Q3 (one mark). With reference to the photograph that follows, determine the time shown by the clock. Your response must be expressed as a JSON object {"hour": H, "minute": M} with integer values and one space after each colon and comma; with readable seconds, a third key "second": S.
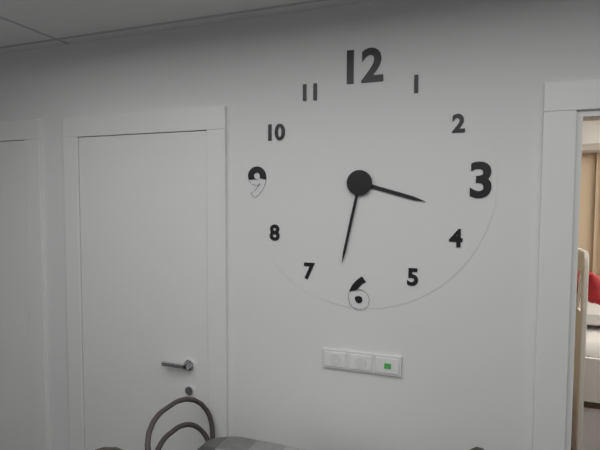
{"hour": 3, "minute": 32}
